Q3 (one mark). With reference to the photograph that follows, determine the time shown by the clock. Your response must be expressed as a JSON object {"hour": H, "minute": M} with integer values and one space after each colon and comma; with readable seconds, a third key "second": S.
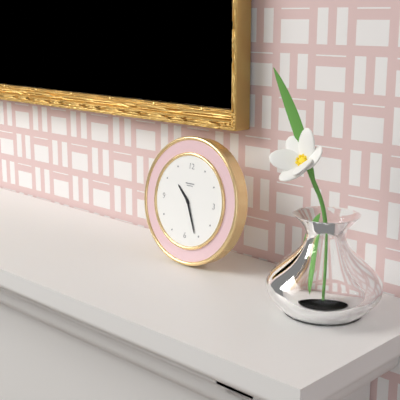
{"hour": 10, "minute": 26}
